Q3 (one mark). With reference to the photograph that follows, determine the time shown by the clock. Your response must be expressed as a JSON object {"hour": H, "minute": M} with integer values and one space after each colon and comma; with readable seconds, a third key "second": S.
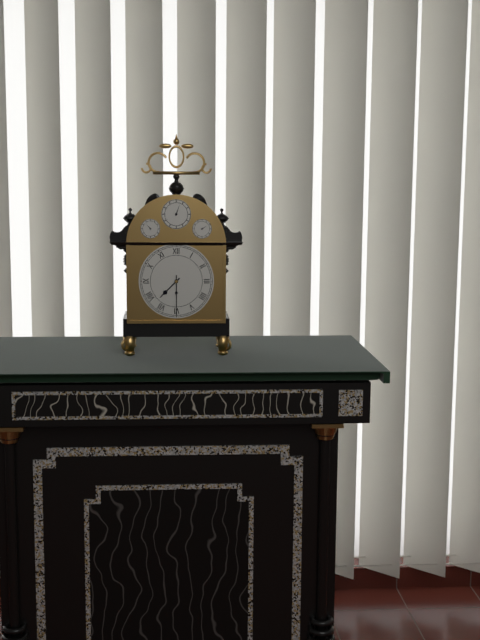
{"hour": 7, "minute": 30}
